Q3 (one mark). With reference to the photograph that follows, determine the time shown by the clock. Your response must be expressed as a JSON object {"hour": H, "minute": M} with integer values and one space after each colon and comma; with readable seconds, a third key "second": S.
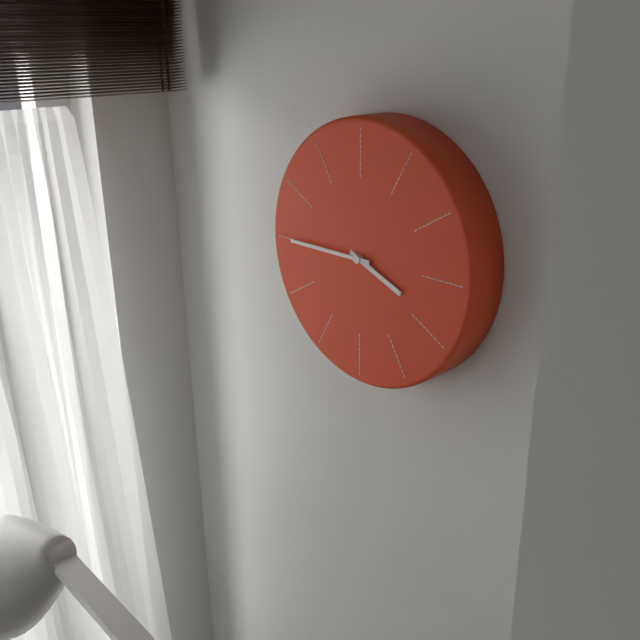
{"hour": 3, "minute": 45}
